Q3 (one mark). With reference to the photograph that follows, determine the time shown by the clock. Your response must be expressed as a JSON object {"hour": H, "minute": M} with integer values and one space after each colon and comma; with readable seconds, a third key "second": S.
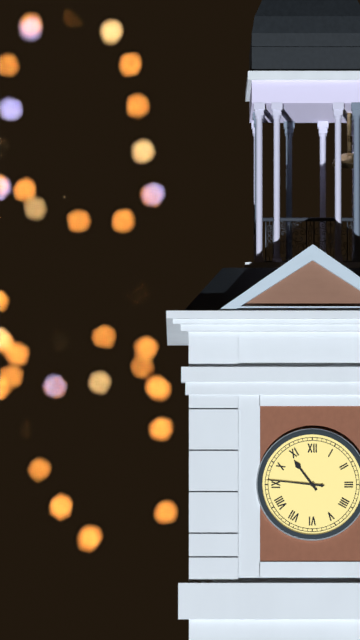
{"hour": 10, "minute": 46}
